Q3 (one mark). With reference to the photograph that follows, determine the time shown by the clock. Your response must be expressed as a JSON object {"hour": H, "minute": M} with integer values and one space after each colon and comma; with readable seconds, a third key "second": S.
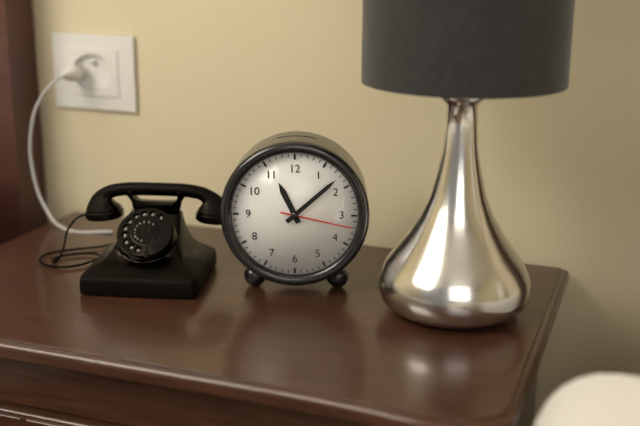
{"hour": 11, "minute": 8, "second": 17}
